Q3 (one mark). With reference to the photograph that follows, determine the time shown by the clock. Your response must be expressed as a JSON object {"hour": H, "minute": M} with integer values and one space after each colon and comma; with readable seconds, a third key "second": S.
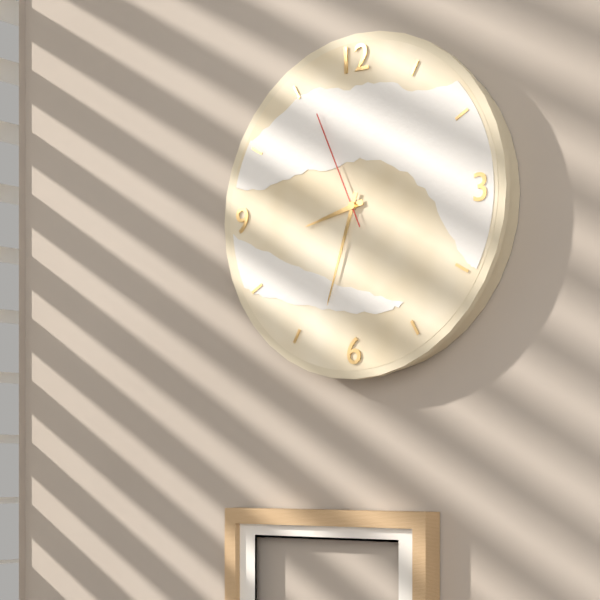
{"hour": 8, "minute": 33, "second": 56}
